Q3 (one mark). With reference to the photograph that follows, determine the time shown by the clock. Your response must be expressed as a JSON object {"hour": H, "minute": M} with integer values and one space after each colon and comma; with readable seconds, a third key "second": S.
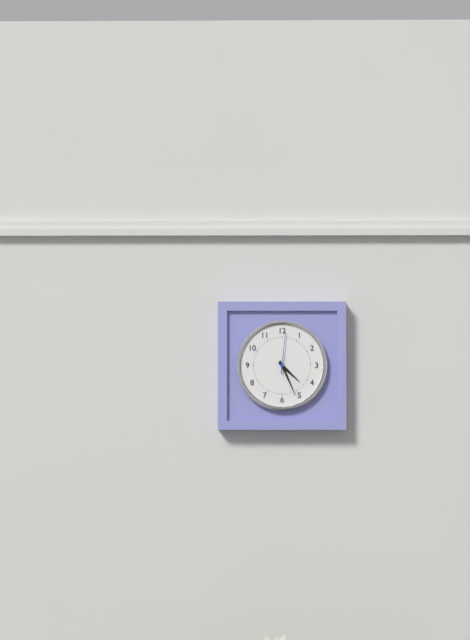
{"hour": 4, "minute": 26}
